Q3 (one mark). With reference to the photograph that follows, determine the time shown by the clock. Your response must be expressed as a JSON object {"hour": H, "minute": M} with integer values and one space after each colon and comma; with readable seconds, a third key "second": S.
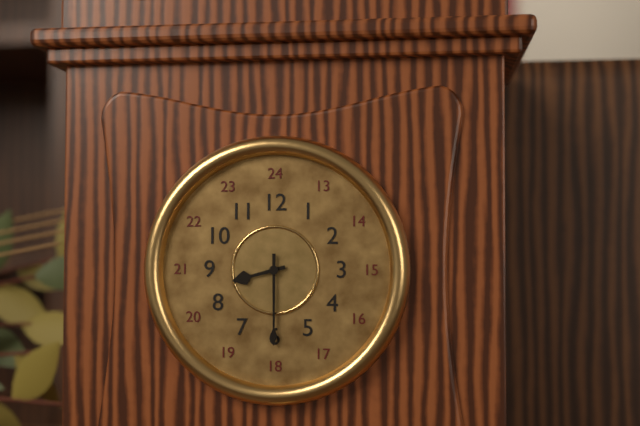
{"hour": 8, "minute": 30}
